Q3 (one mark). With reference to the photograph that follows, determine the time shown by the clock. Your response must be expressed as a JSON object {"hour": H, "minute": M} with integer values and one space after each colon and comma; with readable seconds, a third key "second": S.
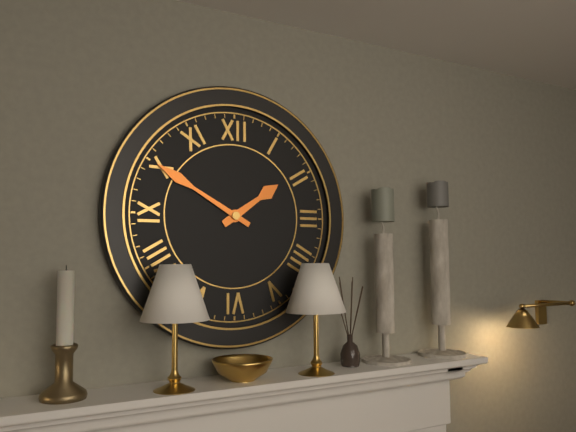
{"hour": 1, "minute": 50}
